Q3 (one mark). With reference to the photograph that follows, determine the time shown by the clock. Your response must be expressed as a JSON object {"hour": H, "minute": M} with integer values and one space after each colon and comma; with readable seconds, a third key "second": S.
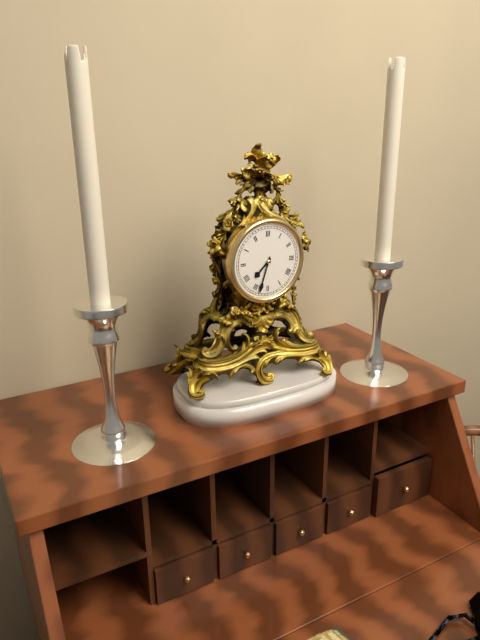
{"hour": 7, "minute": 33}
